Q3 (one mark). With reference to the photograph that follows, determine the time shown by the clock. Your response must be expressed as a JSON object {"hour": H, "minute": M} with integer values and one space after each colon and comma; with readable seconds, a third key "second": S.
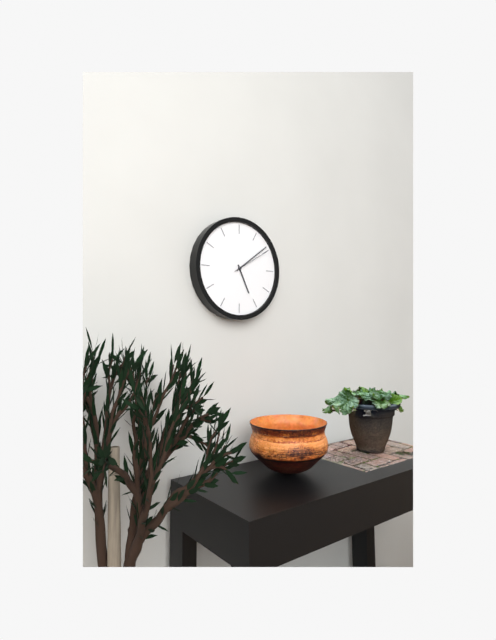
{"hour": 5, "minute": 9}
